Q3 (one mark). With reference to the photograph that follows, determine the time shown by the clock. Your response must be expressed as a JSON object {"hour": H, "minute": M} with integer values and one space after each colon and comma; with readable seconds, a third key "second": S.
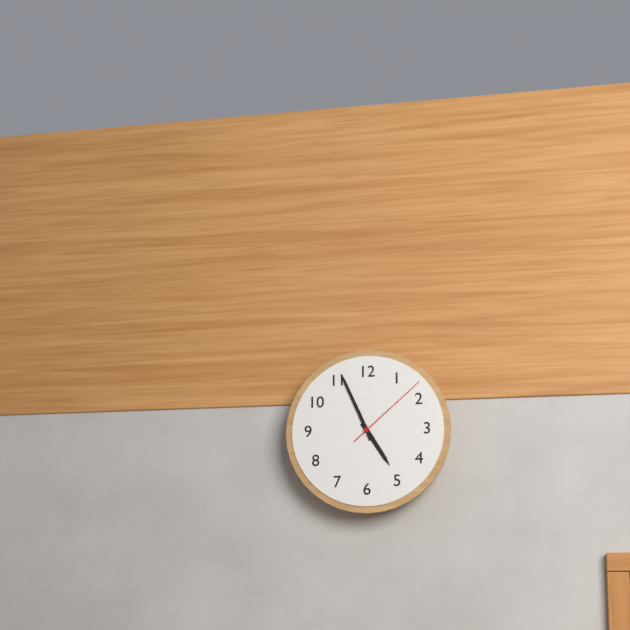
{"hour": 4, "minute": 56, "second": 8}
